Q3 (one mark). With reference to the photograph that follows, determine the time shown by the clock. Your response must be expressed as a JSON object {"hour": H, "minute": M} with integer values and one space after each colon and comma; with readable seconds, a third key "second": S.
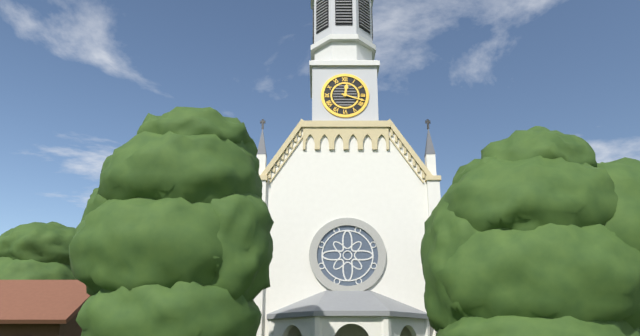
{"hour": 12, "minute": 18}
